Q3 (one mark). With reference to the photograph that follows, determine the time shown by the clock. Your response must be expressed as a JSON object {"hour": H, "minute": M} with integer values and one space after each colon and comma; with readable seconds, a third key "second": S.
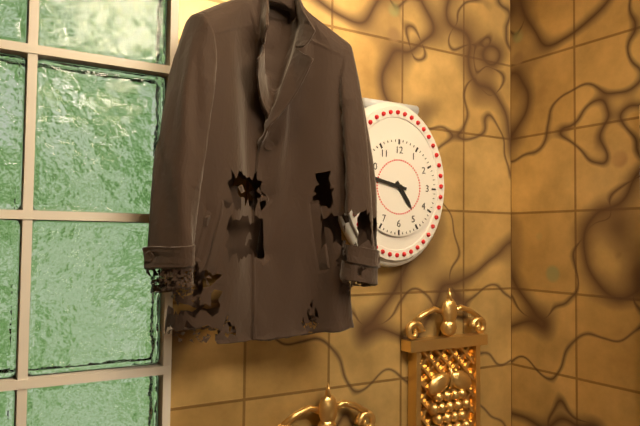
{"hour": 4, "minute": 47}
